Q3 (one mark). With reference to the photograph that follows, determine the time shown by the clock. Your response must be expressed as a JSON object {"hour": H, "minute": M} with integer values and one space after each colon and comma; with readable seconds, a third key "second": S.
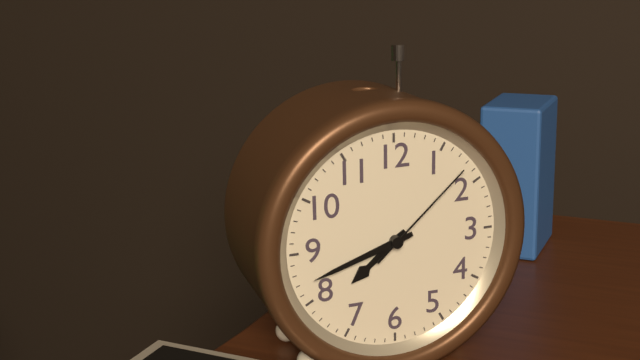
{"hour": 7, "minute": 42, "second": 8}
